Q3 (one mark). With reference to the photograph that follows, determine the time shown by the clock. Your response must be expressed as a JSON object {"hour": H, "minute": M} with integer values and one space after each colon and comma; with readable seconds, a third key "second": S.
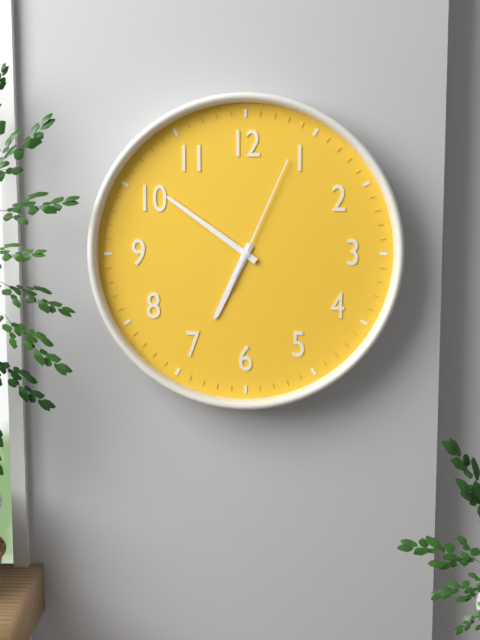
{"hour": 6, "minute": 51, "second": 4}
